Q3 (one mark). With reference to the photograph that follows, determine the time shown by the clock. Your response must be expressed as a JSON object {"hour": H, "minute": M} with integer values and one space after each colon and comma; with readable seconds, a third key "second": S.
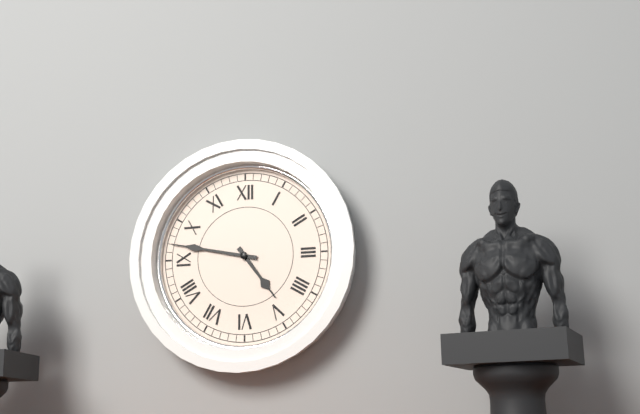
{"hour": 4, "minute": 47}
